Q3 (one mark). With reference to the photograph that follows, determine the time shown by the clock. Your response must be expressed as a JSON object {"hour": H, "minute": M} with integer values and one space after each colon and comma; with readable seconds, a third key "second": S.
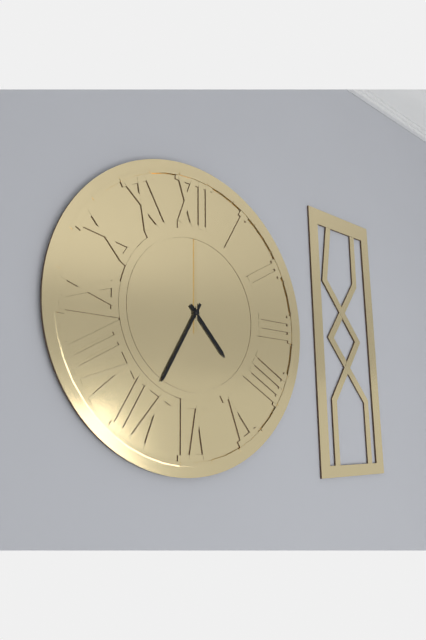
{"hour": 4, "minute": 35, "second": 0}
